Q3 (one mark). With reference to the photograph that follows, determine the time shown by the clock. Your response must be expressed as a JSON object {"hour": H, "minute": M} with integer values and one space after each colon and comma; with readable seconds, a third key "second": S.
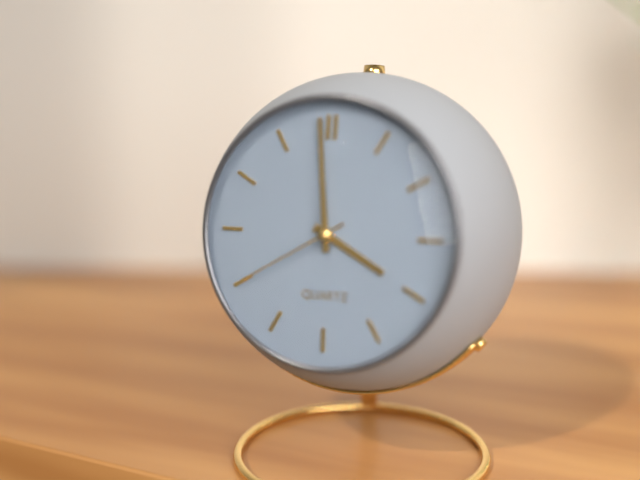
{"hour": 3, "minute": 59, "second": 40}
